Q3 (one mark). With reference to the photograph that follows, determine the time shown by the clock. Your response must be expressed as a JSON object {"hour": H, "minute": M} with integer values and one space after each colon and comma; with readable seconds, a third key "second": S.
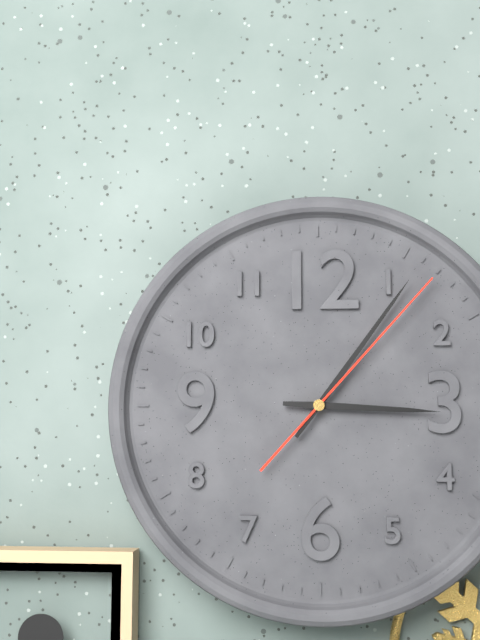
{"hour": 3, "minute": 6, "second": 7}
